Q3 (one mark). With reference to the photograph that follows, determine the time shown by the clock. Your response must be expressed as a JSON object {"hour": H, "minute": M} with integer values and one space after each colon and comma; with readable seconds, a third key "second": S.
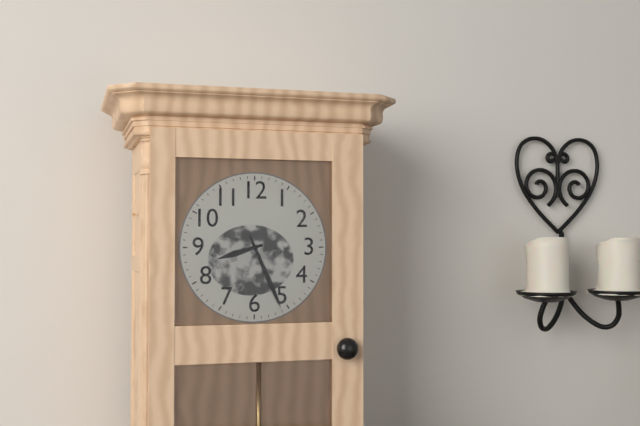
{"hour": 8, "minute": 26}
